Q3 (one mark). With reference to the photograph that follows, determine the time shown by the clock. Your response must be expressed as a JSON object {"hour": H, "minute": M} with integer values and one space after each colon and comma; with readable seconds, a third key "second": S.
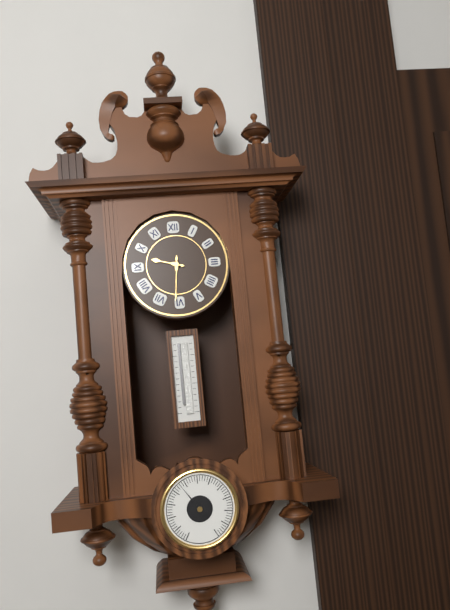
{"hour": 9, "minute": 31}
